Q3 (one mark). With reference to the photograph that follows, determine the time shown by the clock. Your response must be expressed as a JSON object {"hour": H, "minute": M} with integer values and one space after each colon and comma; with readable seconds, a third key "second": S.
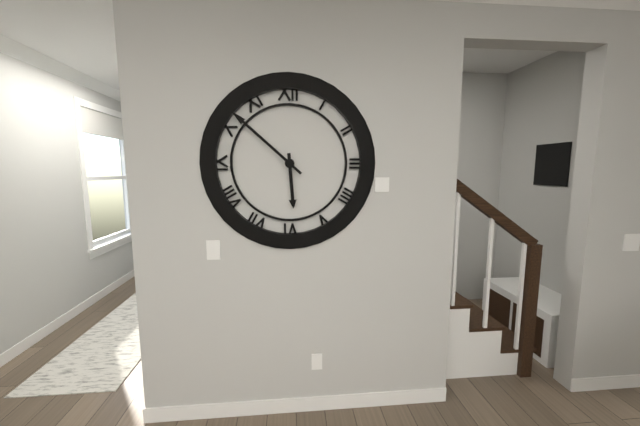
{"hour": 5, "minute": 52}
